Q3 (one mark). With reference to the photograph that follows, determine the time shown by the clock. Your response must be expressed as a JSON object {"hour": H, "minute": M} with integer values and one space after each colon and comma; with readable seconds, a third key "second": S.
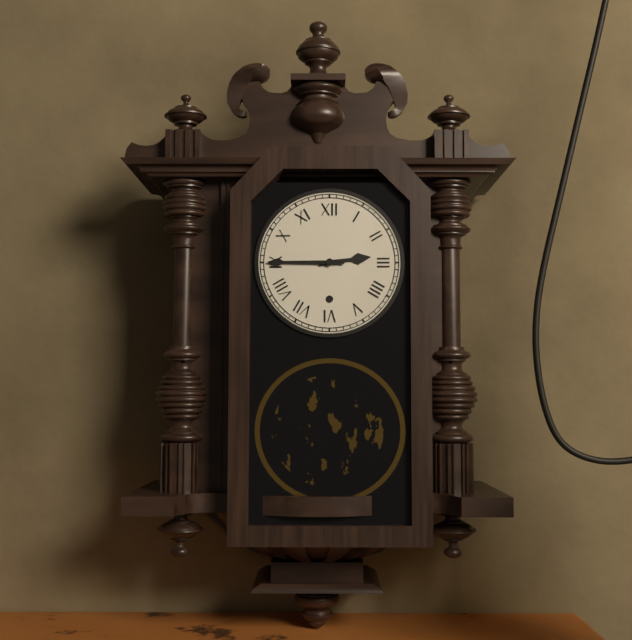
{"hour": 2, "minute": 45}
